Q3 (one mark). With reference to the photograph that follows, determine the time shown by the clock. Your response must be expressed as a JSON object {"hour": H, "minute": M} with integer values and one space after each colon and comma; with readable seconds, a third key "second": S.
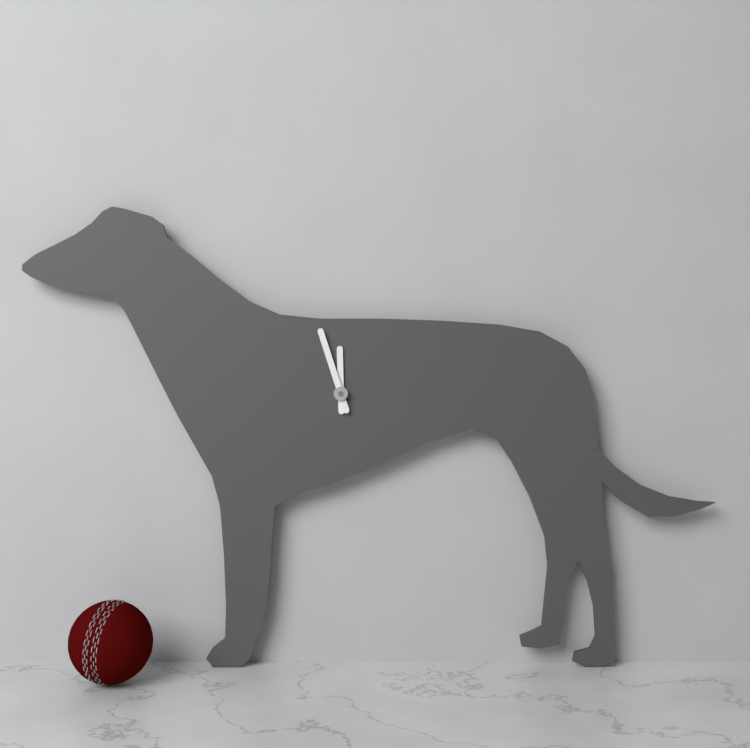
{"hour": 11, "minute": 57}
